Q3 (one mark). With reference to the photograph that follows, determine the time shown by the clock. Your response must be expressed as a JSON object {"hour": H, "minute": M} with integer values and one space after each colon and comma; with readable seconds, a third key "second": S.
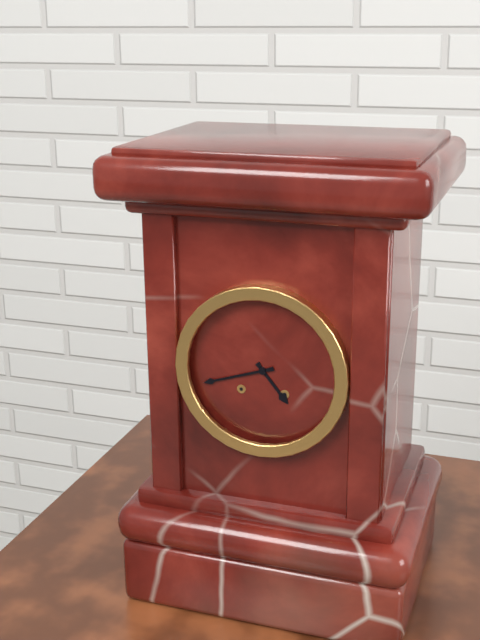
{"hour": 4, "minute": 42}
